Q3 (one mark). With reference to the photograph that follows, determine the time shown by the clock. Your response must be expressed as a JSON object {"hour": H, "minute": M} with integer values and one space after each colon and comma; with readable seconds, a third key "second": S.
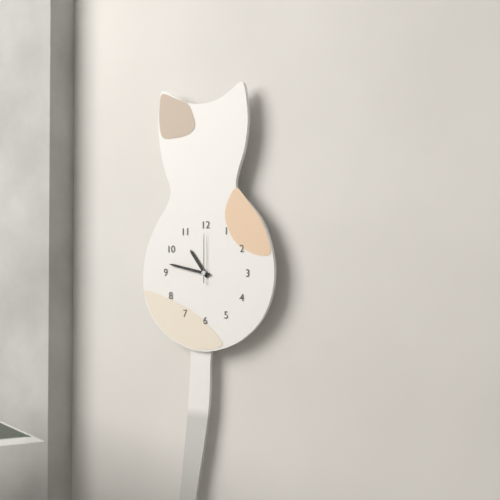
{"hour": 10, "minute": 47, "second": 0}
